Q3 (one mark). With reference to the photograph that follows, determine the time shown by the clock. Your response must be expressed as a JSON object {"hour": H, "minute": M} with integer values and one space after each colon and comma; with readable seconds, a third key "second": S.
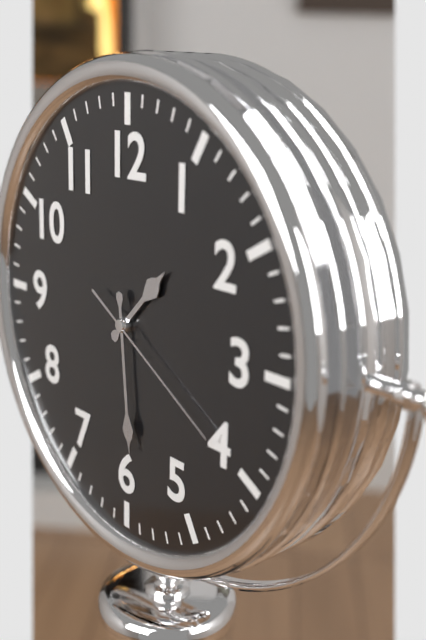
{"hour": 1, "minute": 29, "second": 20}
